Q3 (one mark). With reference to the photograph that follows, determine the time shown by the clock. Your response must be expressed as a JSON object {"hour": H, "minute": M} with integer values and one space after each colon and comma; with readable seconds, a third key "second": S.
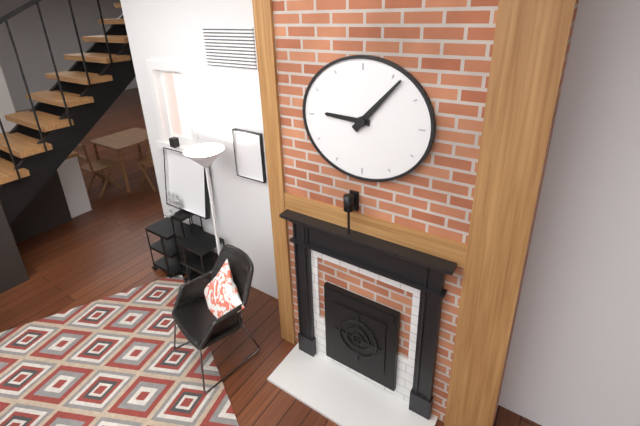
{"hour": 9, "minute": 7}
